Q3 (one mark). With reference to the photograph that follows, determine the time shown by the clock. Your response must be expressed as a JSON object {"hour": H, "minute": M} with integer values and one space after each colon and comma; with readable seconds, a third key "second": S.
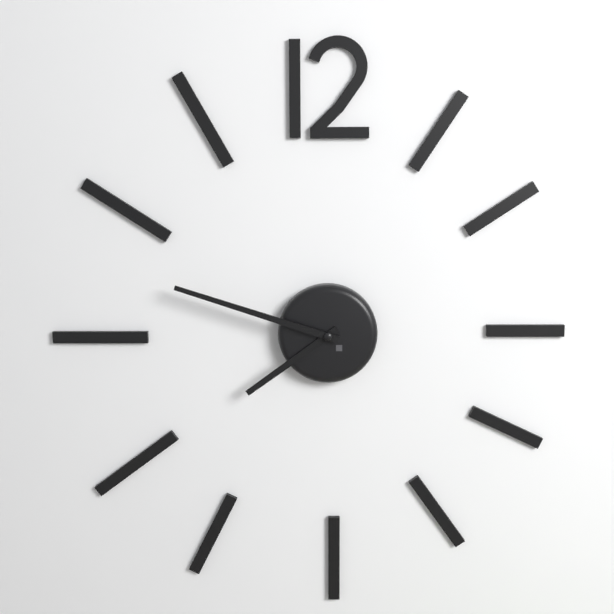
{"hour": 7, "minute": 48}
